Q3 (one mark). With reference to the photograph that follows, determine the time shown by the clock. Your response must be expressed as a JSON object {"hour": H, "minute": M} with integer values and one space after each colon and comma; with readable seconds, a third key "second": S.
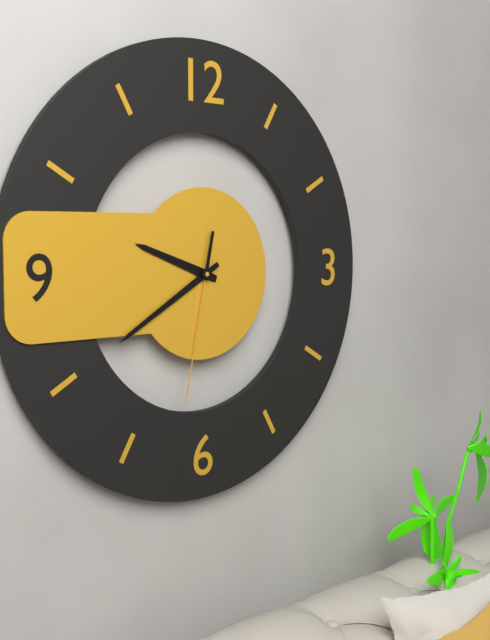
{"hour": 9, "minute": 40, "second": 32}
